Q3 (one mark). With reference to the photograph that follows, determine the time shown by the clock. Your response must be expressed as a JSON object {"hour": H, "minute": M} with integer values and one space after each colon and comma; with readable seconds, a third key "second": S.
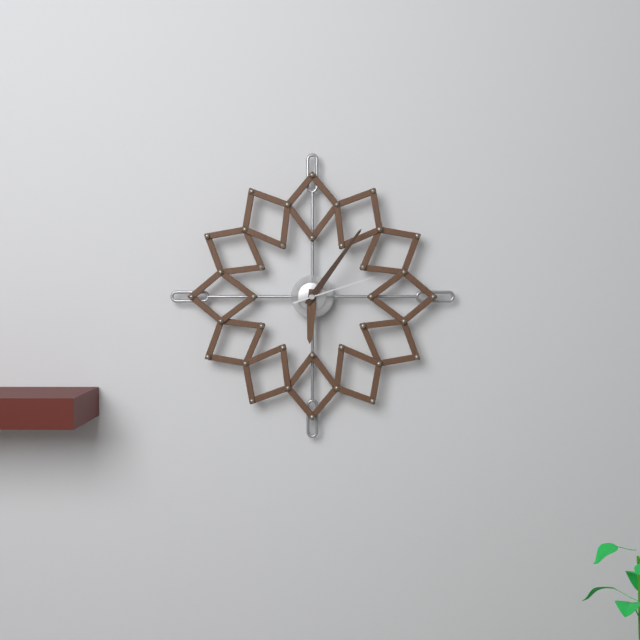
{"hour": 6, "minute": 6, "second": 12}
